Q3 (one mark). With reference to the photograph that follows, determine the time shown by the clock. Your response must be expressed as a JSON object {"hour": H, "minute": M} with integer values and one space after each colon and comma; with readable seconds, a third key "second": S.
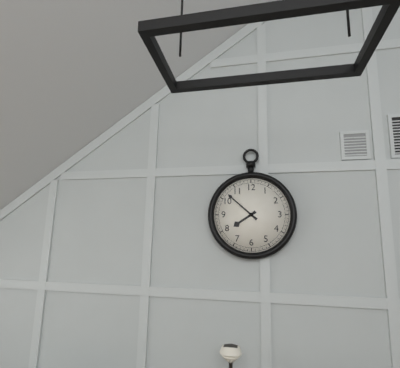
{"hour": 7, "minute": 52}
